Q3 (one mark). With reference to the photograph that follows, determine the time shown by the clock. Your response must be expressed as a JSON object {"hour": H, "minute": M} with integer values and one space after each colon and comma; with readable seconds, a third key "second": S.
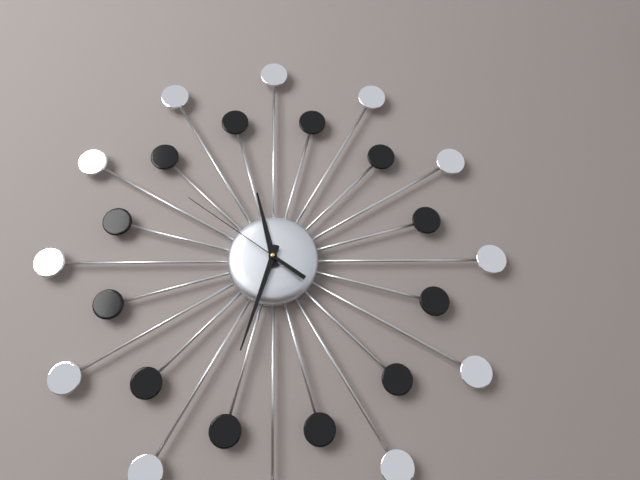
{"hour": 11, "minute": 33, "second": 51}
